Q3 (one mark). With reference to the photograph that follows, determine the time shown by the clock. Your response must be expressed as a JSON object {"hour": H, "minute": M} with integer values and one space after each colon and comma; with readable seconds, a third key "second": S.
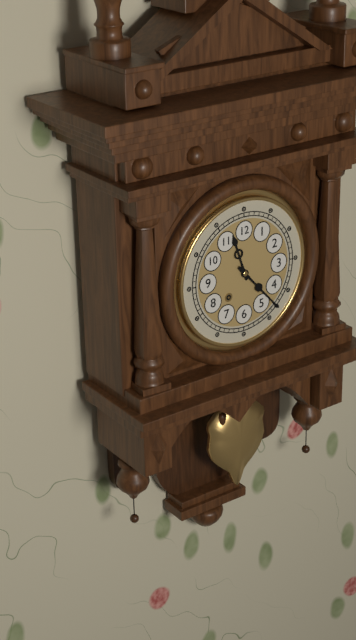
{"hour": 11, "minute": 23}
